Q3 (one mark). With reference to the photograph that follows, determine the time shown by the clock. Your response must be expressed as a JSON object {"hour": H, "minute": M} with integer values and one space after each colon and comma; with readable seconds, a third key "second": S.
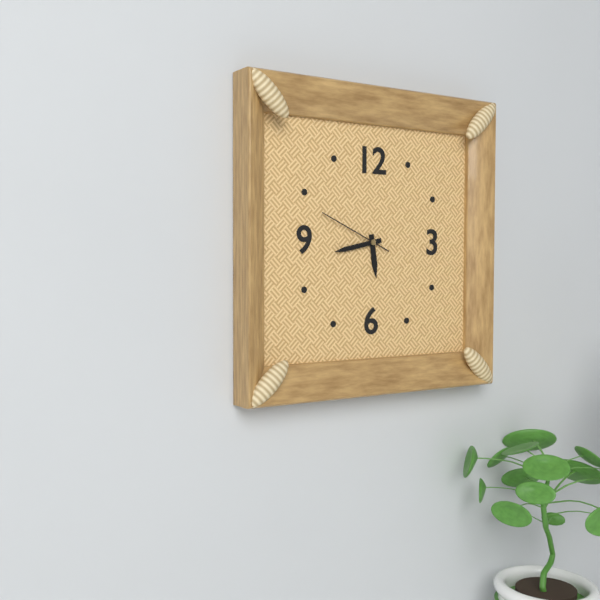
{"hour": 5, "minute": 43, "second": 49}
